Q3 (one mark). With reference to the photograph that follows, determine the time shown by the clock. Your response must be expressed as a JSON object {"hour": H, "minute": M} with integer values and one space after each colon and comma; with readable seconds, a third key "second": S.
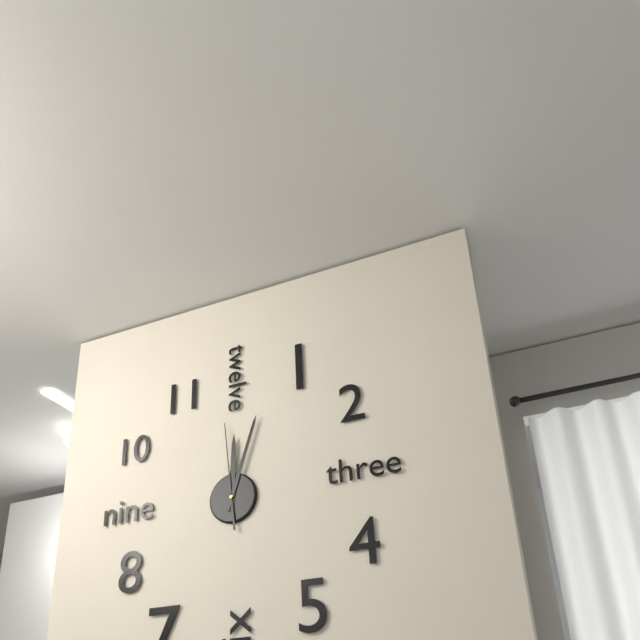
{"hour": 12, "minute": 3, "second": 59}
